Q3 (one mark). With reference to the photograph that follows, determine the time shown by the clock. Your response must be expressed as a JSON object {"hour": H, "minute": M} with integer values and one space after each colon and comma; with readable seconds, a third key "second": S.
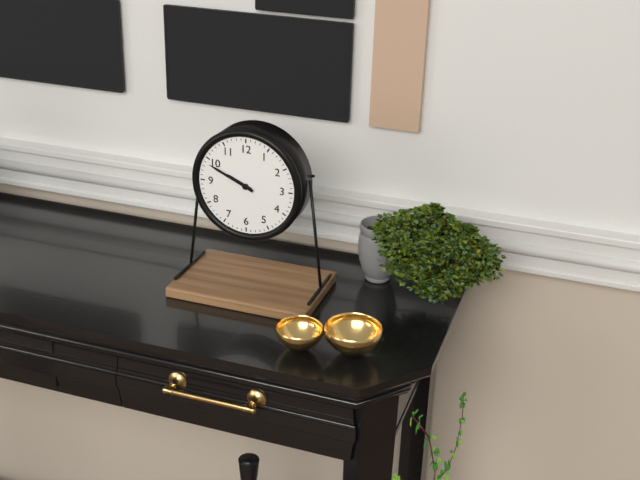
{"hour": 9, "minute": 49}
